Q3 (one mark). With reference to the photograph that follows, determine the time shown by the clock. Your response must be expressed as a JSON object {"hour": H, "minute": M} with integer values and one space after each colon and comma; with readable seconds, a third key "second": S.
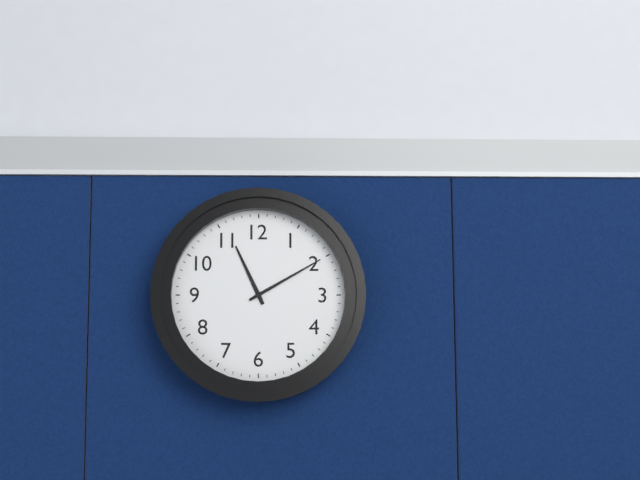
{"hour": 11, "minute": 10}
